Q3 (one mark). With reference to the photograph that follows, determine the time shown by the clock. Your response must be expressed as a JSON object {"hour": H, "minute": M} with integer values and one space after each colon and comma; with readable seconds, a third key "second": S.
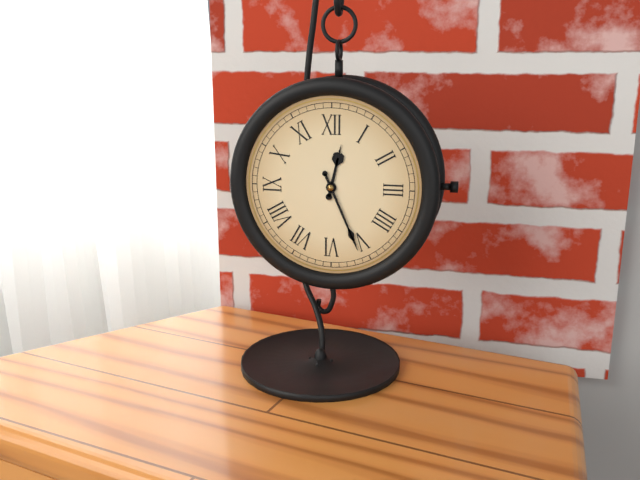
{"hour": 12, "minute": 26}
